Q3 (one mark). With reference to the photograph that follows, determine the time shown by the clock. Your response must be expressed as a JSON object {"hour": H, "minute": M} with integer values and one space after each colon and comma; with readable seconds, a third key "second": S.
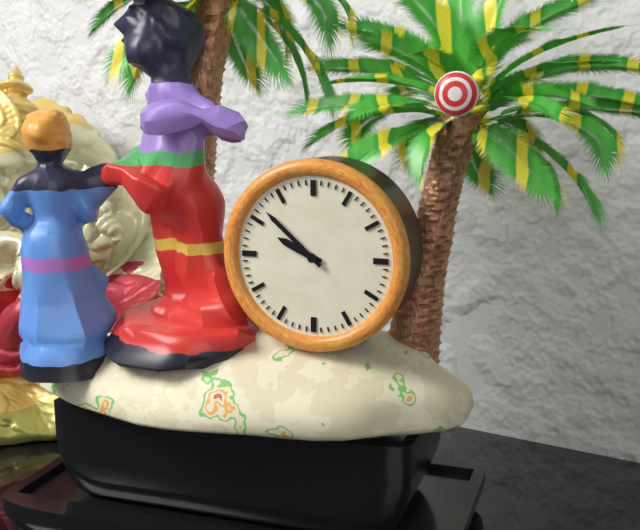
{"hour": 9, "minute": 52}
